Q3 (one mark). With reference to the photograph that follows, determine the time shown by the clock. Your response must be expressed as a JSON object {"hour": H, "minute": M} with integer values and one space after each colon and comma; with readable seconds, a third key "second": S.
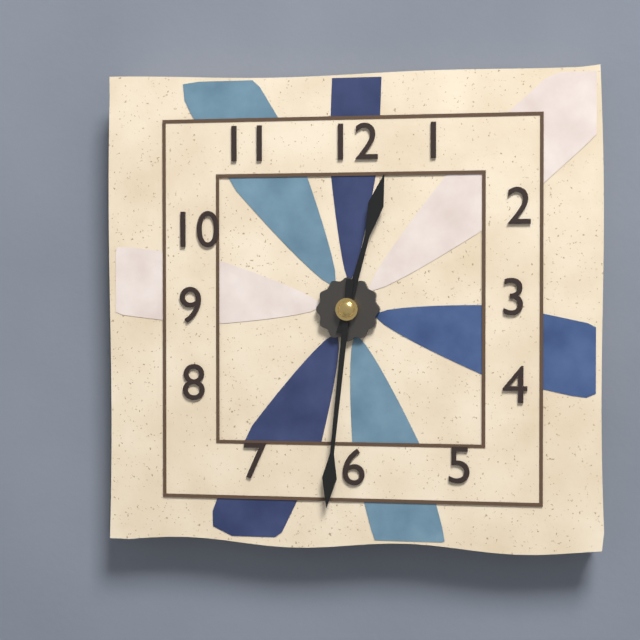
{"hour": 12, "minute": 31}
